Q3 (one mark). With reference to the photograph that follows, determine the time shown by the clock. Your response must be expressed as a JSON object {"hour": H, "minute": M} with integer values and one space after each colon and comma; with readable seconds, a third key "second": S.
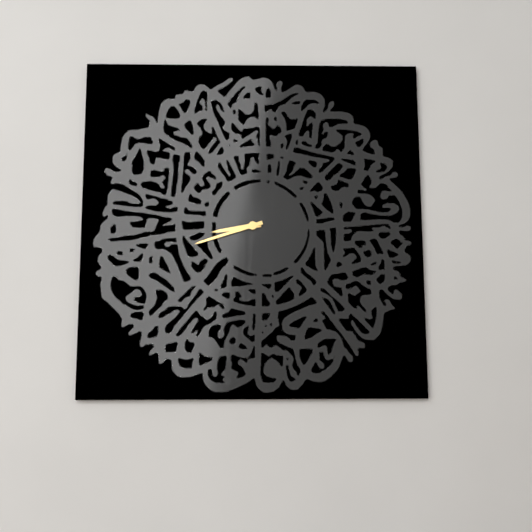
{"hour": 8, "minute": 42}
